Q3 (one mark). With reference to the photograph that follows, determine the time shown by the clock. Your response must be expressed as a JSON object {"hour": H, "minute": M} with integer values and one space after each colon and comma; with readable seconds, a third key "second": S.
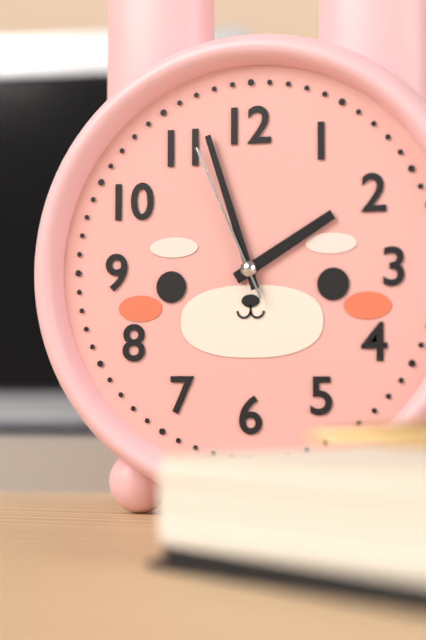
{"hour": 1, "minute": 57, "second": 56}
